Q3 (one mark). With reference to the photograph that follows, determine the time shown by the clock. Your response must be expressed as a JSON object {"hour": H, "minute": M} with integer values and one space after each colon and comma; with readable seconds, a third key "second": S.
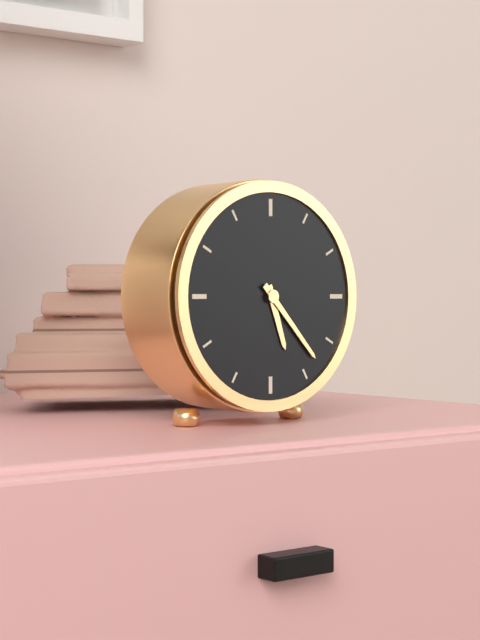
{"hour": 5, "minute": 23}
